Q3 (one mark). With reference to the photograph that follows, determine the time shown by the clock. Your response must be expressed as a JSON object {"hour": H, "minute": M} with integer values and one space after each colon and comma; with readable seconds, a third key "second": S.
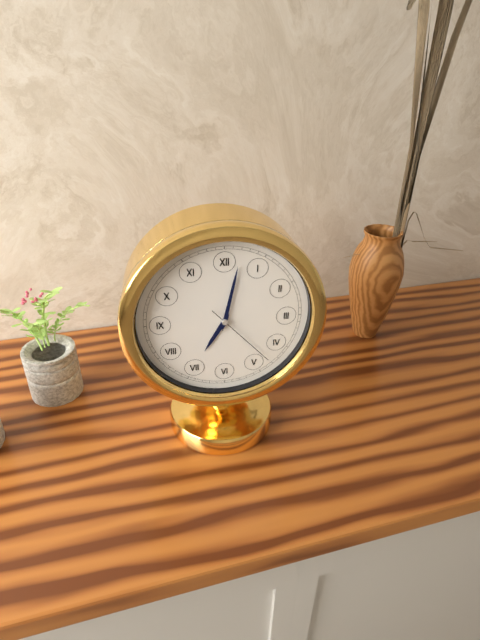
{"hour": 7, "minute": 2, "second": 23}
